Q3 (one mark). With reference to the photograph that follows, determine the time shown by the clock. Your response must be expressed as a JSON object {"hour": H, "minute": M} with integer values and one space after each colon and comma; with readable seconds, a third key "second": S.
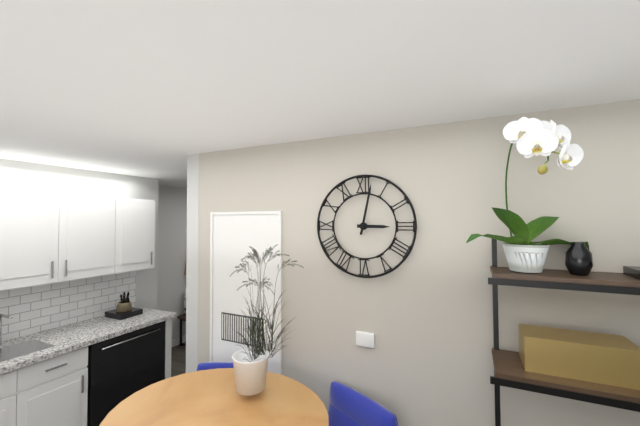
{"hour": 3, "minute": 2}
